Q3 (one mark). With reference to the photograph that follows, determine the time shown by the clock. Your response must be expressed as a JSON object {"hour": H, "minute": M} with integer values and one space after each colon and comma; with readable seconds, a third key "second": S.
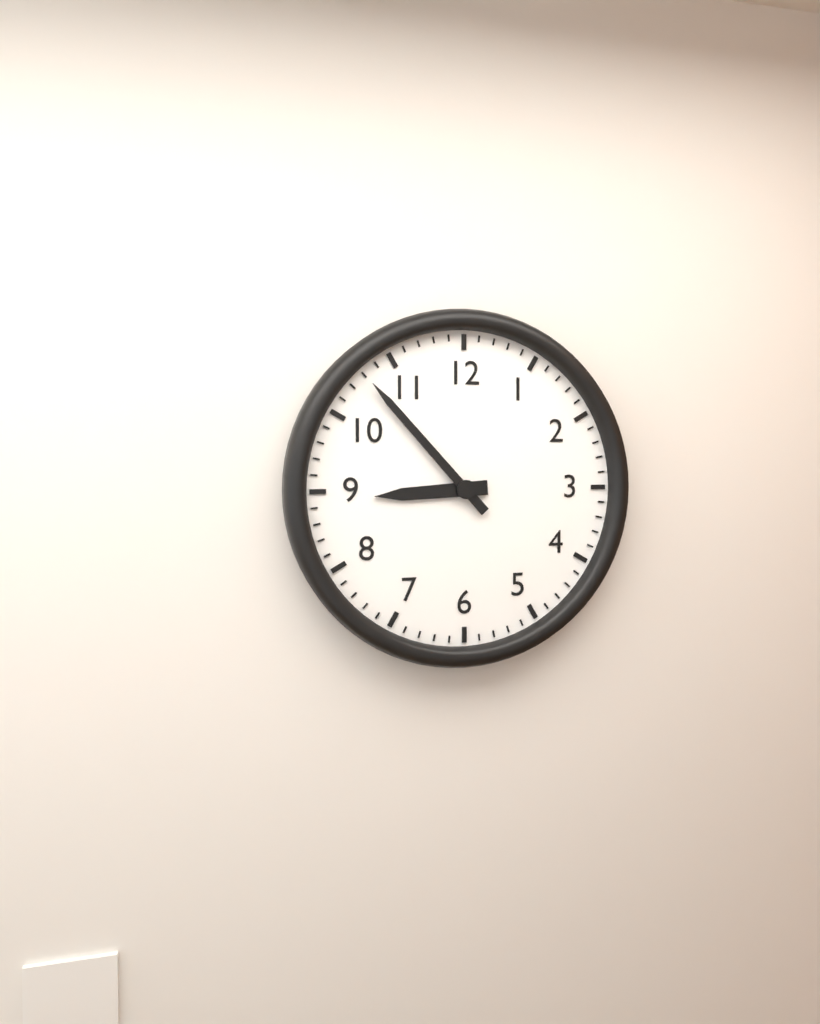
{"hour": 8, "minute": 53}
